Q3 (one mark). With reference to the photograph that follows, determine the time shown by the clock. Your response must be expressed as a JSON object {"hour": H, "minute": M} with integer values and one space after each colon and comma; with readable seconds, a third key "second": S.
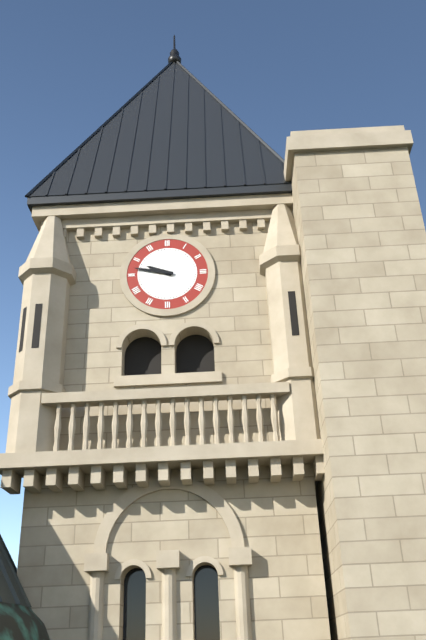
{"hour": 9, "minute": 47}
